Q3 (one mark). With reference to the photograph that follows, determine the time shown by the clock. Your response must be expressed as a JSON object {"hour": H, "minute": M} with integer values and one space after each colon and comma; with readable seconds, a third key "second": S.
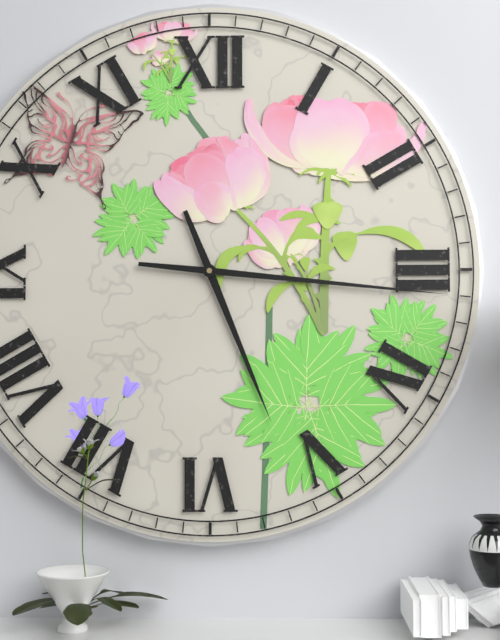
{"hour": 5, "minute": 16}
